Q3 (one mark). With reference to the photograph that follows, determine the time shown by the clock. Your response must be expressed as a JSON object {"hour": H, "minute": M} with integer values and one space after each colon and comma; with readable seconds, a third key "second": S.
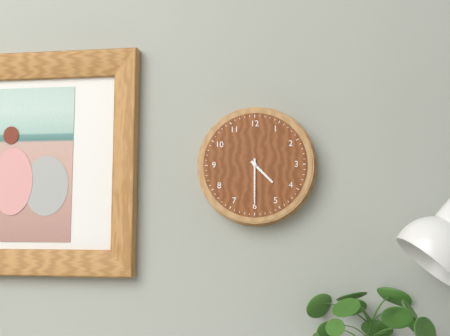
{"hour": 4, "minute": 30}
